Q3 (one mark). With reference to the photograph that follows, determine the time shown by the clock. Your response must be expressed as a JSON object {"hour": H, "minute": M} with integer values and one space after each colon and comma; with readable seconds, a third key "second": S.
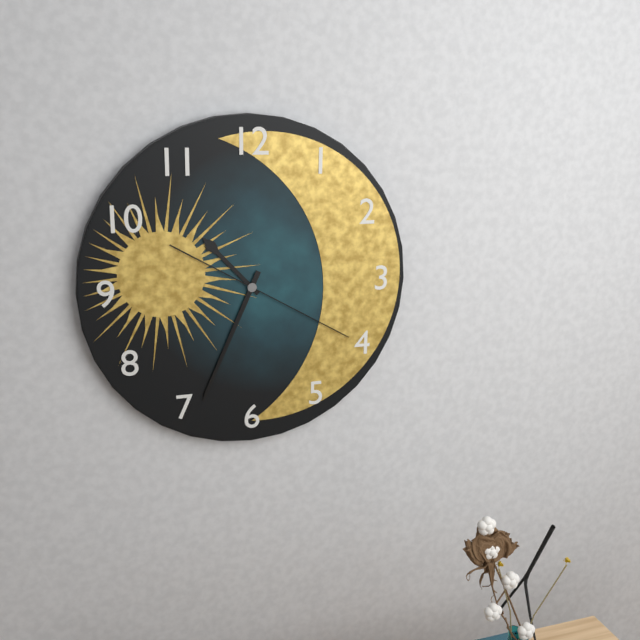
{"hour": 10, "minute": 34, "second": 20}
